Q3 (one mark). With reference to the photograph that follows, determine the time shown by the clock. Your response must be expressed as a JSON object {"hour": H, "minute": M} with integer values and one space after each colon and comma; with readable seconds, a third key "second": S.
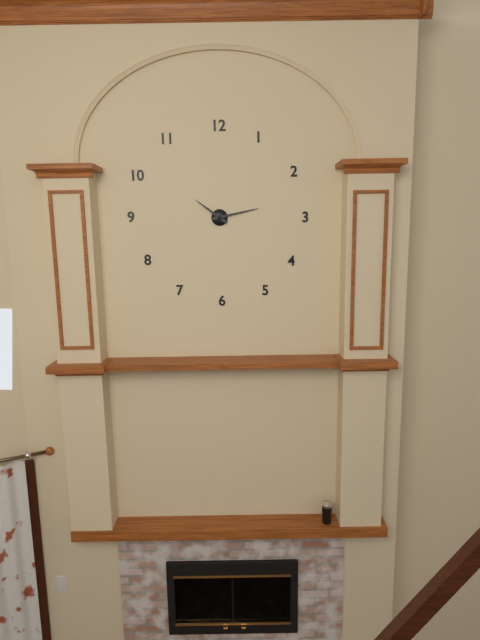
{"hour": 10, "minute": 13}
